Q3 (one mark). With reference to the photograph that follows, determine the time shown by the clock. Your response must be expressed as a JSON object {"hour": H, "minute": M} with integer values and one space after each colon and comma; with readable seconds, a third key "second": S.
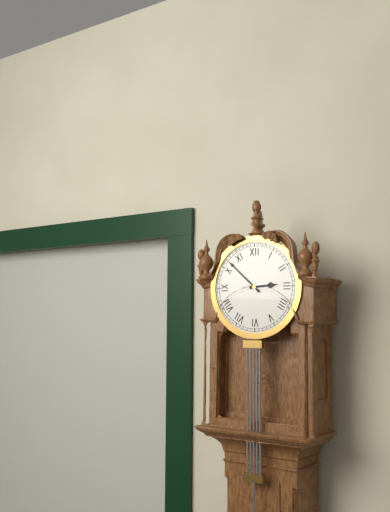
{"hour": 2, "minute": 52}
